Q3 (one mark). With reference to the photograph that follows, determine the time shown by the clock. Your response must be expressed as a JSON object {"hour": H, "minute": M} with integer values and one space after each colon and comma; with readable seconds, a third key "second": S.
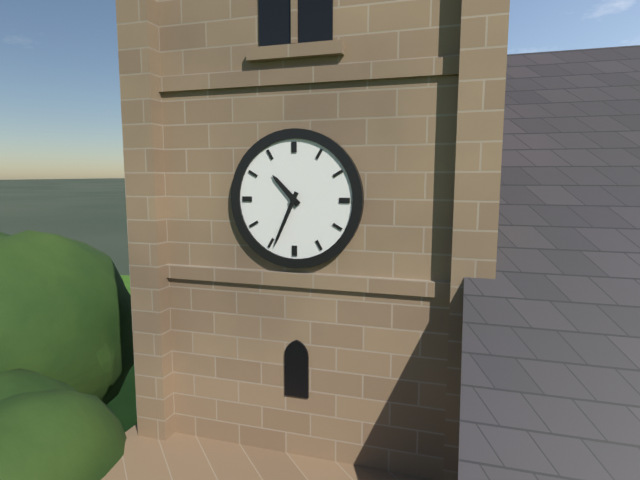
{"hour": 10, "minute": 34}
